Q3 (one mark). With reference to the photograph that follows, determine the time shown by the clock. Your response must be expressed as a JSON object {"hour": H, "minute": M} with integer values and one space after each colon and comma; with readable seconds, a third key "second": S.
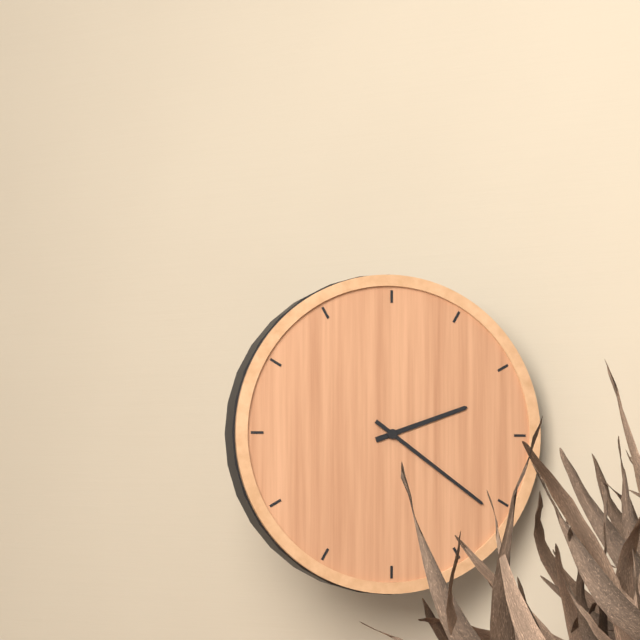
{"hour": 2, "minute": 21}
